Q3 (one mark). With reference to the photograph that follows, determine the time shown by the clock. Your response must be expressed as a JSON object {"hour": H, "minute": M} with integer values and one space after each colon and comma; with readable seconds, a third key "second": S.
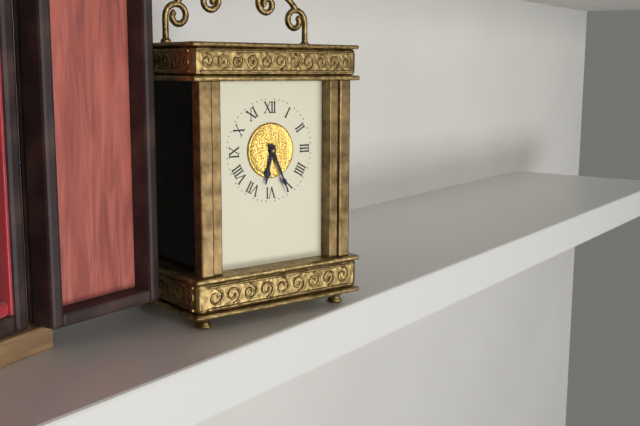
{"hour": 6, "minute": 26}
